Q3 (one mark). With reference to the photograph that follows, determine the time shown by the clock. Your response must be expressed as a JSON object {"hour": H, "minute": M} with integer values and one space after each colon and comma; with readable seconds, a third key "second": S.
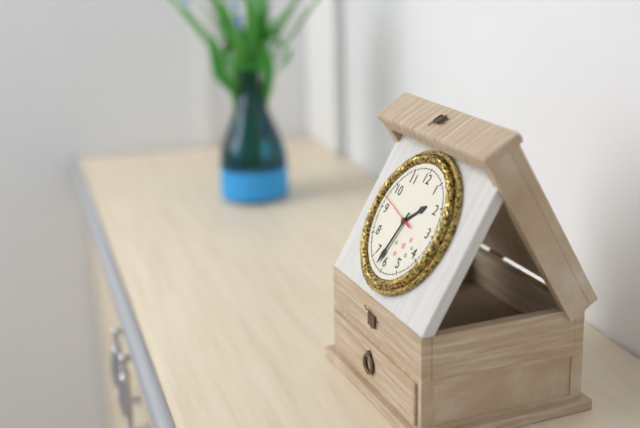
{"hour": 1, "minute": 32}
